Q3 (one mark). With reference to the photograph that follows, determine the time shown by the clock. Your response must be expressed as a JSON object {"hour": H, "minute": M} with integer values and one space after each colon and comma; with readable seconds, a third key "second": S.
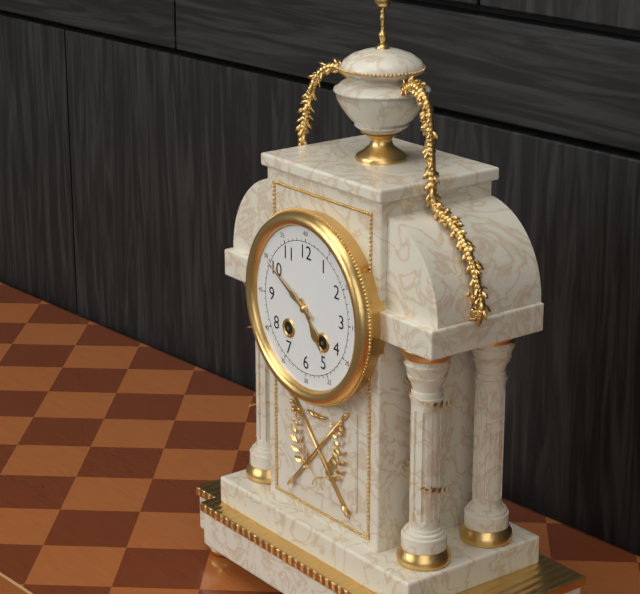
{"hour": 4, "minute": 50}
